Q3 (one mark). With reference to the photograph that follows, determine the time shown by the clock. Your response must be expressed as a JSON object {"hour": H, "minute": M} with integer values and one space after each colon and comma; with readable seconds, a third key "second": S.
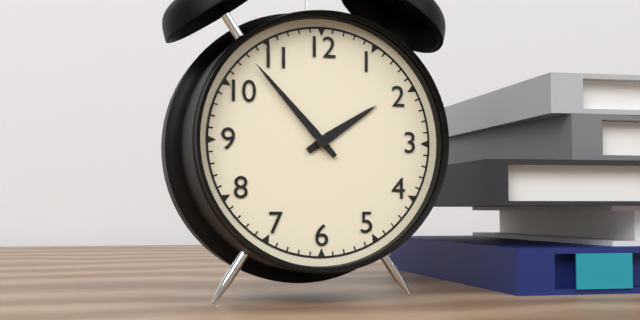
{"hour": 1, "minute": 53}
